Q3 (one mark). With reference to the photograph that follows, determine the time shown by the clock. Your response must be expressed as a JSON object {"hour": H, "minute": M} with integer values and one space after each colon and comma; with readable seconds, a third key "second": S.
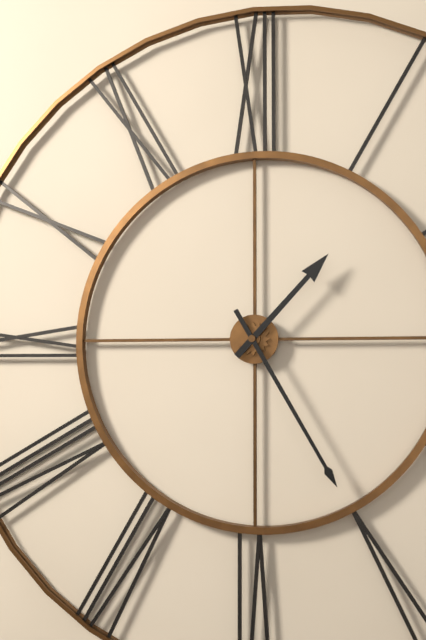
{"hour": 1, "minute": 25}
